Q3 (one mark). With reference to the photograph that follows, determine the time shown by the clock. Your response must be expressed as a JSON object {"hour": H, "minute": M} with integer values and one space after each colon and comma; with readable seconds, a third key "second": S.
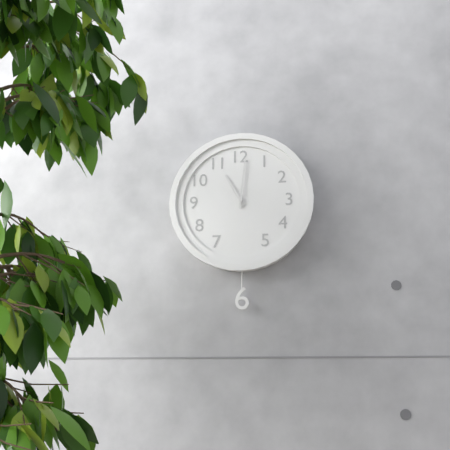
{"hour": 11, "minute": 1}
